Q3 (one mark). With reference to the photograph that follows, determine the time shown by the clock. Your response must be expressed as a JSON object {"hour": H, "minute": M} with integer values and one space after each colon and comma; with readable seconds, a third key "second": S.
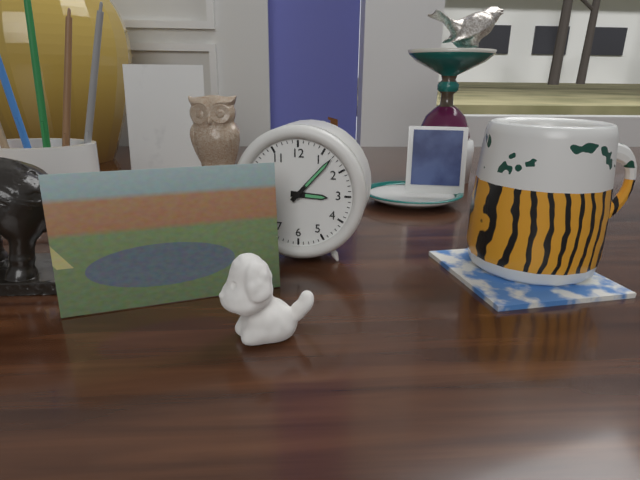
{"hour": 3, "minute": 7}
